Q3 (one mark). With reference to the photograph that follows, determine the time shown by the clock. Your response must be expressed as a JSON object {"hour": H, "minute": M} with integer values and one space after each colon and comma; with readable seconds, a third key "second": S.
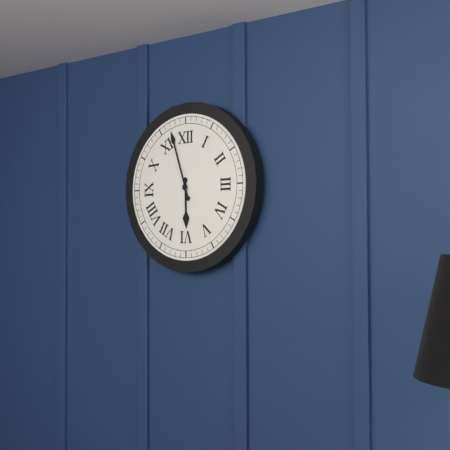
{"hour": 5, "minute": 57}
